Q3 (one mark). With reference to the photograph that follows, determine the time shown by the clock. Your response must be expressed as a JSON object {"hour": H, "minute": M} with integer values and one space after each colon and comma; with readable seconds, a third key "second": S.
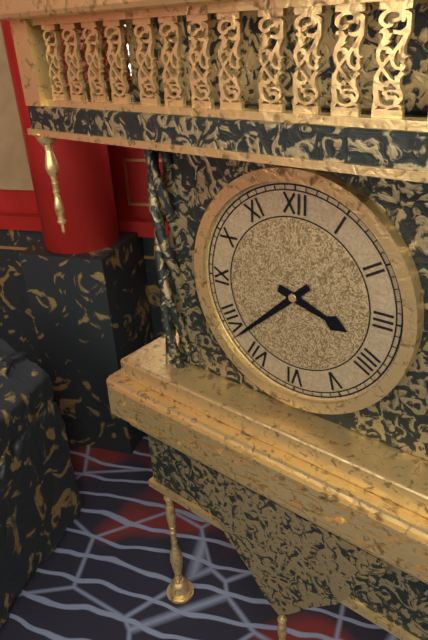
{"hour": 3, "minute": 38}
